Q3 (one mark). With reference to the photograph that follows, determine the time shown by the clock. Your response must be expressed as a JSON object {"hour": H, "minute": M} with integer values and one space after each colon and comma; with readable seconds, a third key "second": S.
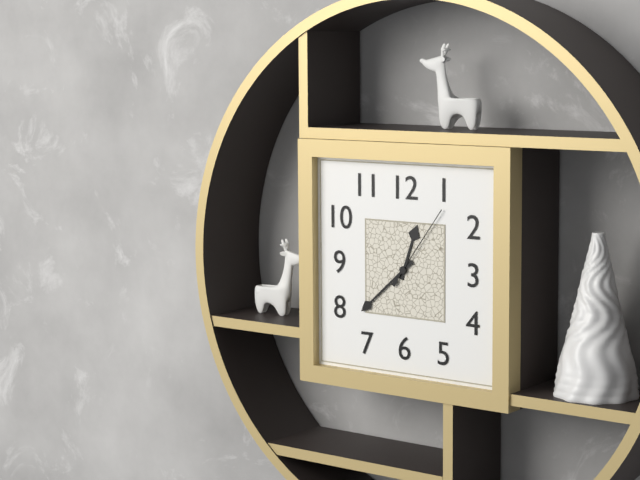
{"hour": 12, "minute": 38, "second": 6}
